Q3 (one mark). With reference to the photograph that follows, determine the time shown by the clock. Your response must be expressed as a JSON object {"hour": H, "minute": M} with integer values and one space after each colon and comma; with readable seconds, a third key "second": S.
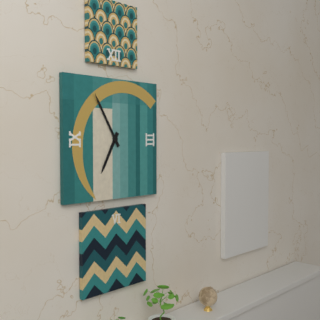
{"hour": 6, "minute": 55}
